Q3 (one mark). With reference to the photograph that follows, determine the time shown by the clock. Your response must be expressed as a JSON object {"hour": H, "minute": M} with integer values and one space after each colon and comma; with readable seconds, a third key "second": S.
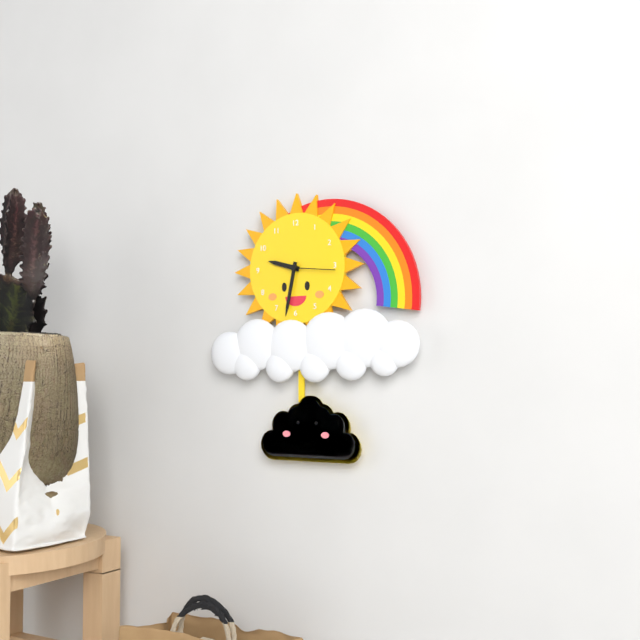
{"hour": 9, "minute": 32, "second": 16}
